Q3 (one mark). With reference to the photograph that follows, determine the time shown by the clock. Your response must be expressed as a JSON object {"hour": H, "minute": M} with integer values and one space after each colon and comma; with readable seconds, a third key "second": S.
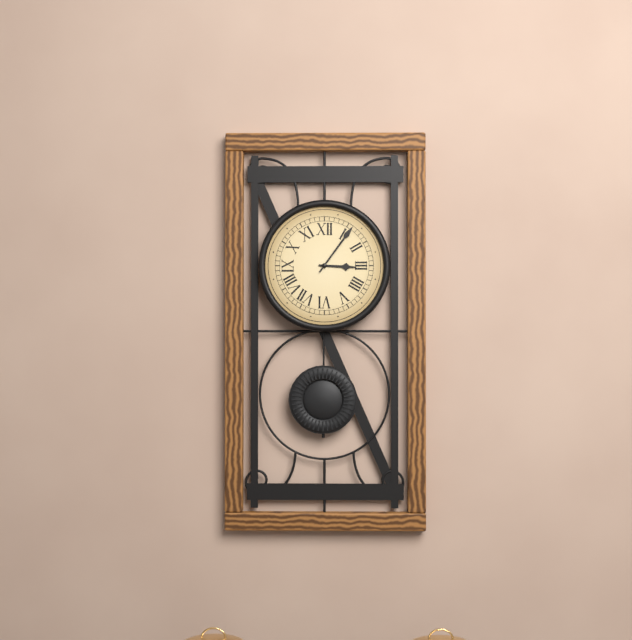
{"hour": 3, "minute": 6}
